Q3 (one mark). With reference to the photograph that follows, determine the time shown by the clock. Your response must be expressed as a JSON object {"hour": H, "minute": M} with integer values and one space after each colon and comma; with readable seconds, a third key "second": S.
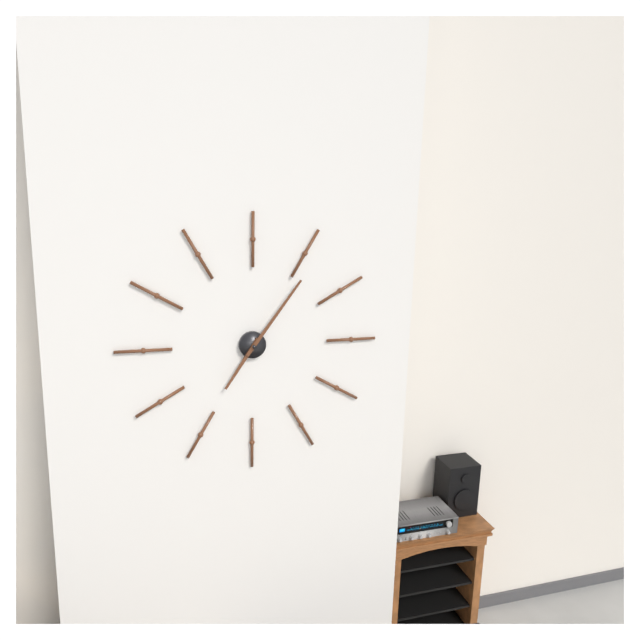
{"hour": 7, "minute": 6}
